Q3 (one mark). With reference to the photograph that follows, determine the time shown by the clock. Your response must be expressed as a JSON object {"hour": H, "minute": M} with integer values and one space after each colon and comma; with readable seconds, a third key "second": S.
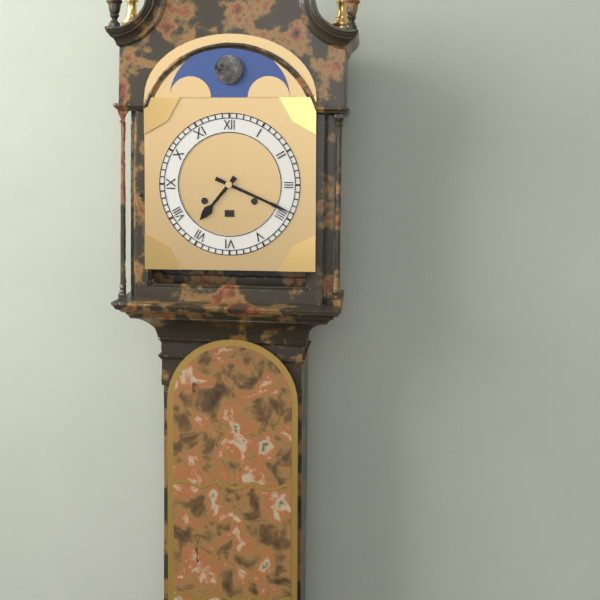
{"hour": 7, "minute": 19}
